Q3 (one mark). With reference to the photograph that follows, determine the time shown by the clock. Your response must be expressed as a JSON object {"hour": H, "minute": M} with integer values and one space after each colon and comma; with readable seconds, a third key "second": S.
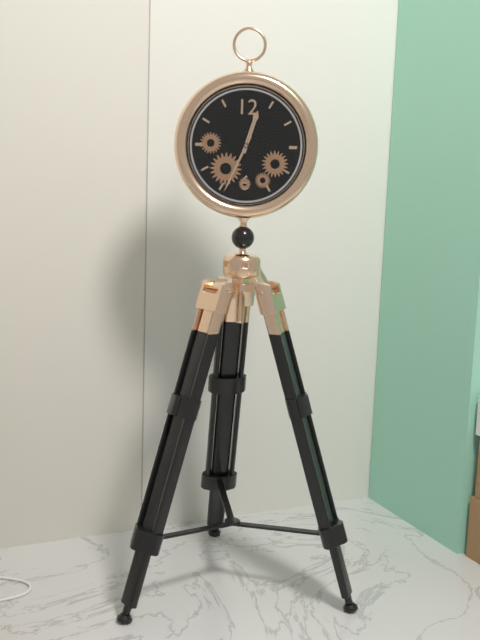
{"hour": 12, "minute": 34}
